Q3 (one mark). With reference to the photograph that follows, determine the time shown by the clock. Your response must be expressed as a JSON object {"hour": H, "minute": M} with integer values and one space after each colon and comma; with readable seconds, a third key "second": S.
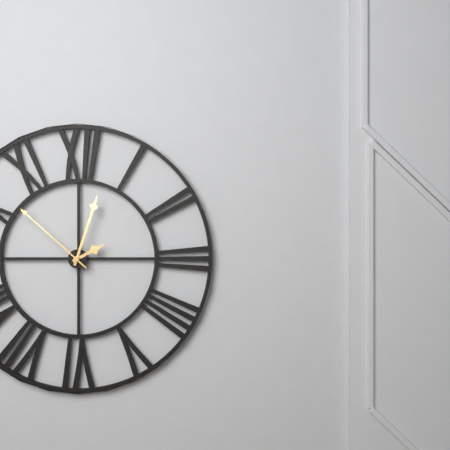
{"hour": 2, "minute": 3, "second": 52}
